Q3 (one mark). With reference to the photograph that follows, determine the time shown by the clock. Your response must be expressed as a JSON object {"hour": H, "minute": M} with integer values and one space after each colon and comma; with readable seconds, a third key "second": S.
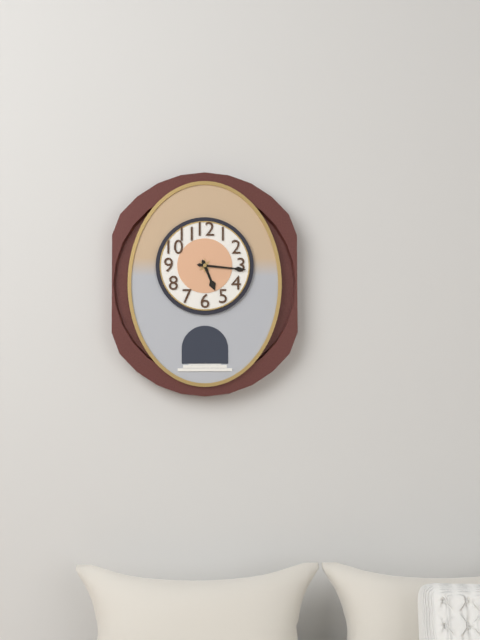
{"hour": 5, "minute": 16}
